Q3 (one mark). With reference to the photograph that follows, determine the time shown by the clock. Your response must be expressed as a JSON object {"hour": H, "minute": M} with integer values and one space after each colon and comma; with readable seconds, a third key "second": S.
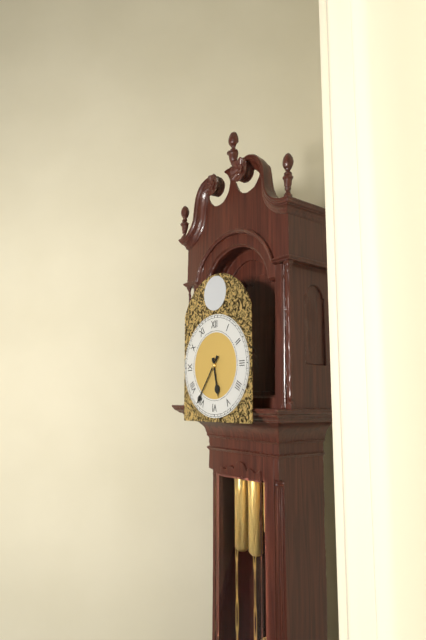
{"hour": 5, "minute": 36}
